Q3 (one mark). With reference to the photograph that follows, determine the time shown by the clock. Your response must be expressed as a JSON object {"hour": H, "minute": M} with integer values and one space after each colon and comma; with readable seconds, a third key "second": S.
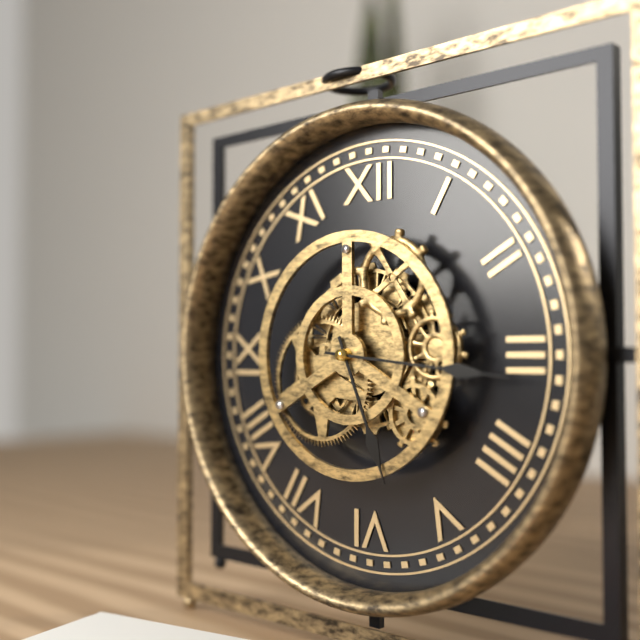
{"hour": 5, "minute": 16}
